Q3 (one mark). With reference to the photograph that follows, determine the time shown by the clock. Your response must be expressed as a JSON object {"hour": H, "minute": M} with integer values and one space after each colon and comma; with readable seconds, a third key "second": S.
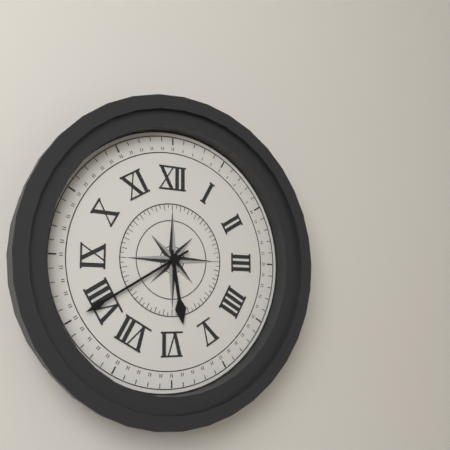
{"hour": 5, "minute": 40}
